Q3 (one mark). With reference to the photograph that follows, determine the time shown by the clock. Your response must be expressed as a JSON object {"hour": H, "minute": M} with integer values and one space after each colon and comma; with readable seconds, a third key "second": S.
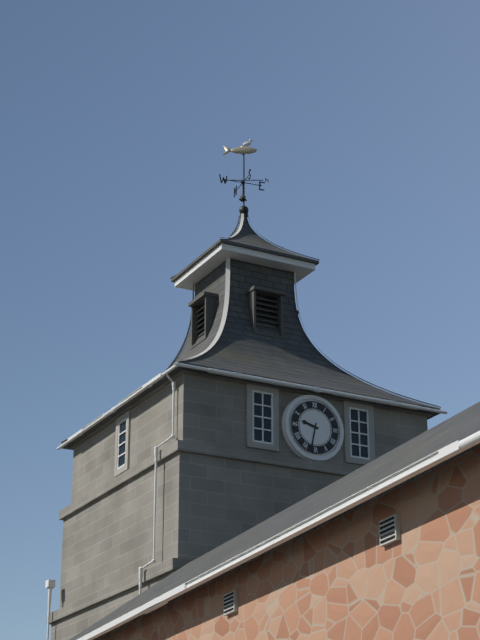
{"hour": 9, "minute": 32}
